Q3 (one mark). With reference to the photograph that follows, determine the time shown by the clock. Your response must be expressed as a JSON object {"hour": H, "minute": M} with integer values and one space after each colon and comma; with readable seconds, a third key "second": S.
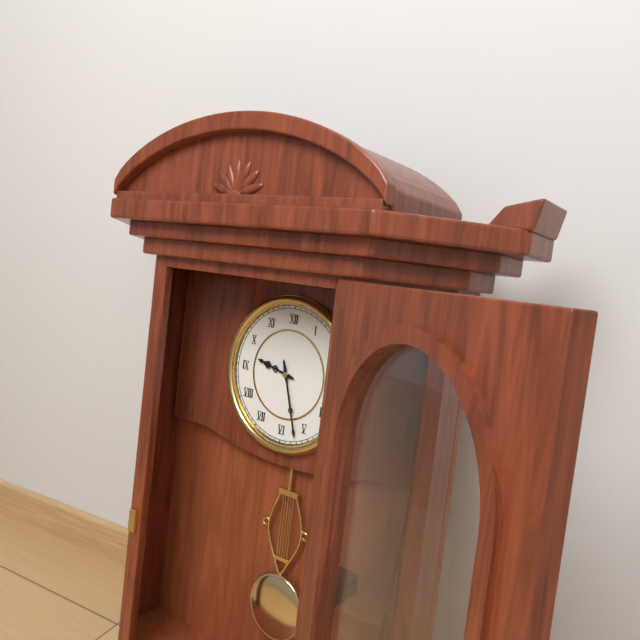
{"hour": 9, "minute": 27}
